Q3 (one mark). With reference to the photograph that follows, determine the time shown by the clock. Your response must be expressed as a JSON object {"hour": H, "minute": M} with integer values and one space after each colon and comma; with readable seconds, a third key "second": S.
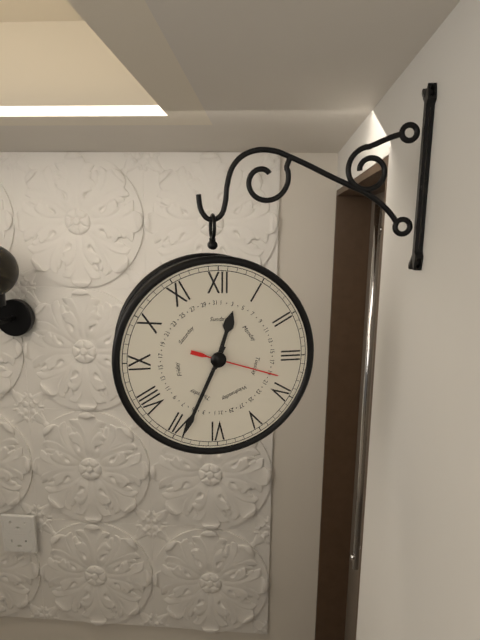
{"hour": 12, "minute": 34, "second": 18}
